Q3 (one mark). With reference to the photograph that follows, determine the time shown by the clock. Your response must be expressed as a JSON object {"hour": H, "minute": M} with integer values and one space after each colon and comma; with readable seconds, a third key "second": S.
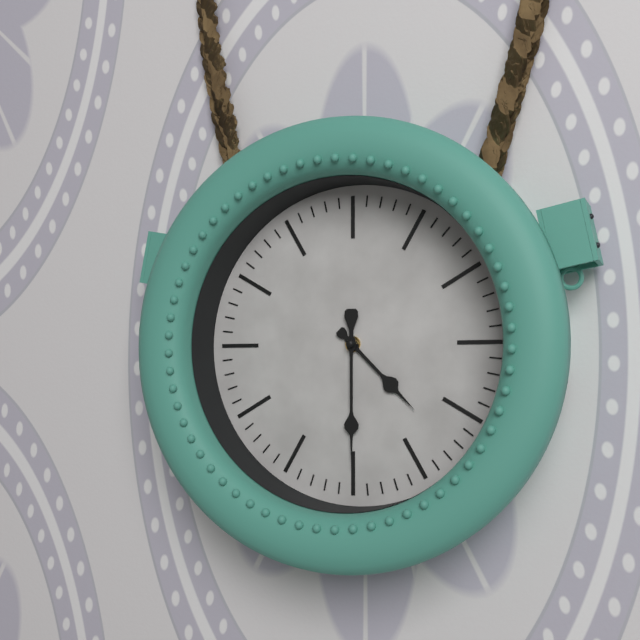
{"hour": 4, "minute": 30}
